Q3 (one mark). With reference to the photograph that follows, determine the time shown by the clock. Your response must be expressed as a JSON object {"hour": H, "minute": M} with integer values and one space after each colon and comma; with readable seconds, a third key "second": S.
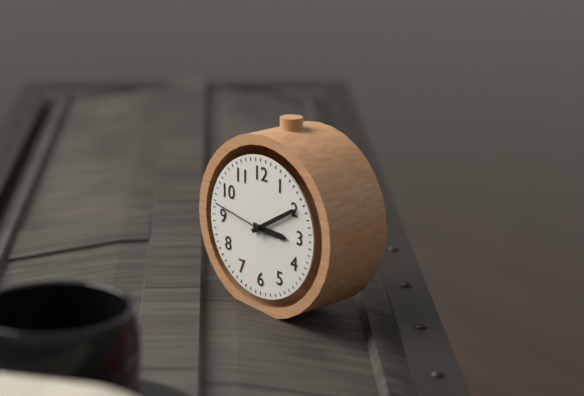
{"hour": 3, "minute": 10, "second": 47}
